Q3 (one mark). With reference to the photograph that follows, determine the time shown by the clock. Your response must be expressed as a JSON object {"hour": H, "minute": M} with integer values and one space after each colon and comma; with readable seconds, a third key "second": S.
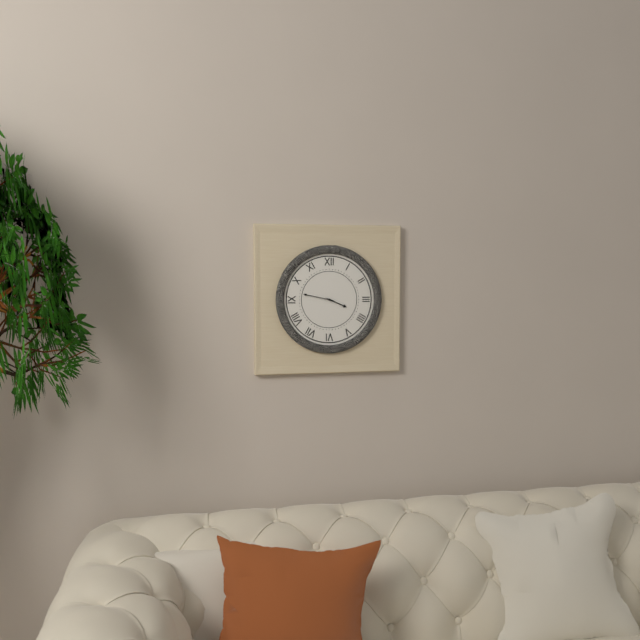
{"hour": 3, "minute": 47}
